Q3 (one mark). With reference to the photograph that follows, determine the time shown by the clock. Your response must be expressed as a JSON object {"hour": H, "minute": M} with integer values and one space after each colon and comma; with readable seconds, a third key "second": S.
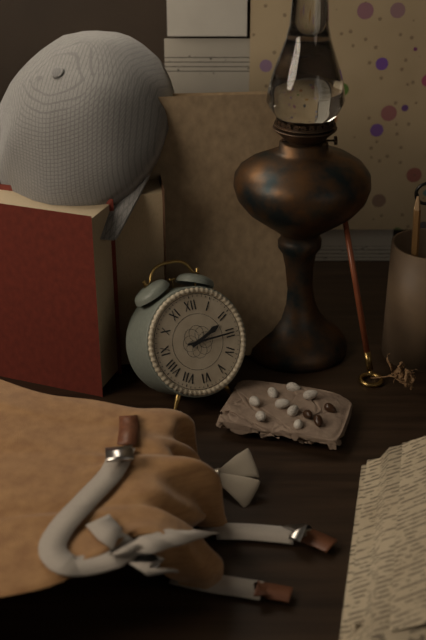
{"hour": 2, "minute": 15}
